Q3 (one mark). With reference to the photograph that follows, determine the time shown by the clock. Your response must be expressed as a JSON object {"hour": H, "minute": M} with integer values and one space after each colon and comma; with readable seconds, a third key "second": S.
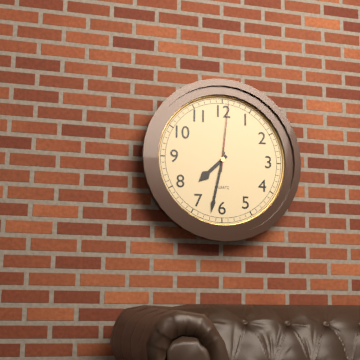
{"hour": 7, "minute": 32, "second": 1}
